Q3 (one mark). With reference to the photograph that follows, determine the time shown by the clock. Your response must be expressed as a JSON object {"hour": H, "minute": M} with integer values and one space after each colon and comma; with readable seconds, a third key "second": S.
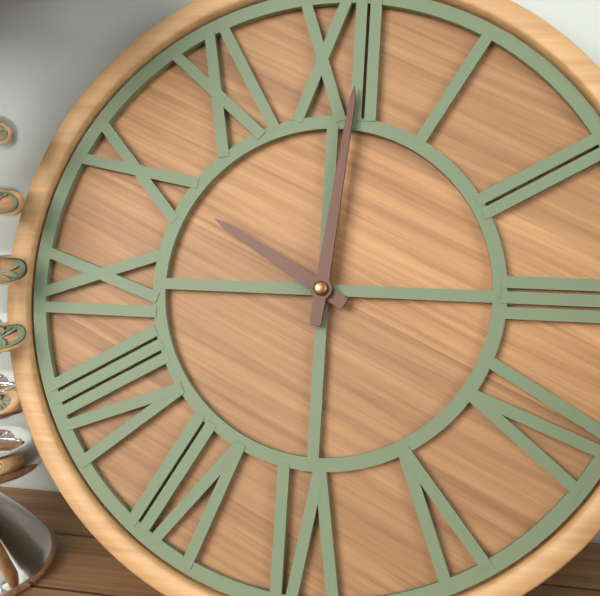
{"hour": 10, "minute": 1}
